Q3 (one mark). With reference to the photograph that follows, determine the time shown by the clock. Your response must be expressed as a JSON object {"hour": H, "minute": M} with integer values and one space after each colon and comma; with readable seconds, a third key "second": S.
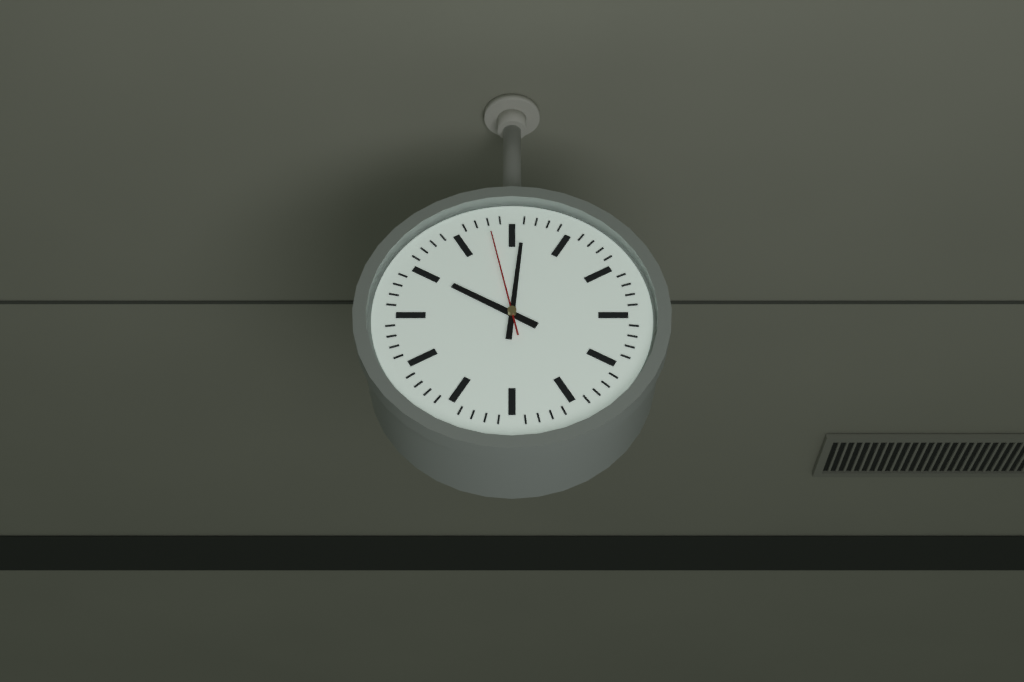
{"hour": 10, "minute": 1, "second": 58}
